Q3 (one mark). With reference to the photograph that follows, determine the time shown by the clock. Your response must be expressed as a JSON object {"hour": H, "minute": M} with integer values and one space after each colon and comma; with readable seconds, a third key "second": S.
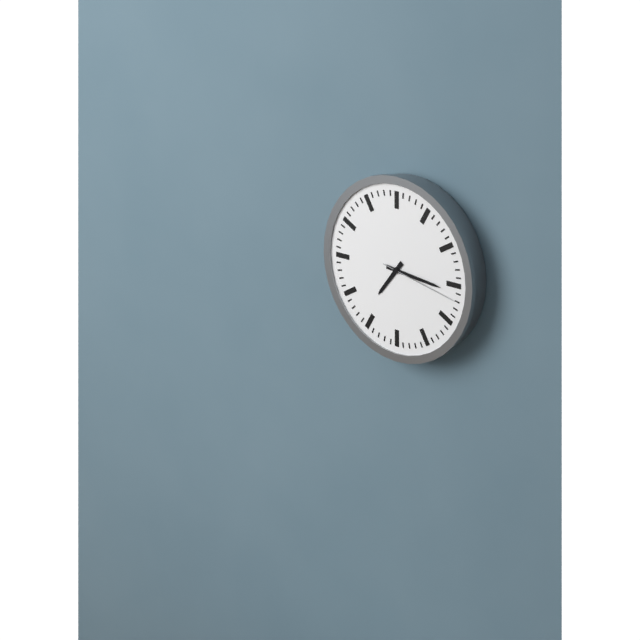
{"hour": 7, "minute": 16, "second": 17}
